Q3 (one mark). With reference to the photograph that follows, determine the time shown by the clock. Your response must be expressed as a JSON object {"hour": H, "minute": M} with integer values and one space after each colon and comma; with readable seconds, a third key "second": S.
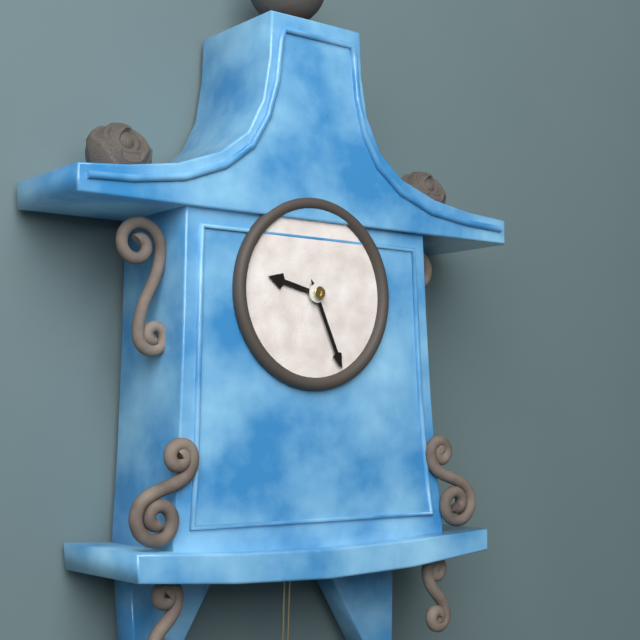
{"hour": 9, "minute": 26}
